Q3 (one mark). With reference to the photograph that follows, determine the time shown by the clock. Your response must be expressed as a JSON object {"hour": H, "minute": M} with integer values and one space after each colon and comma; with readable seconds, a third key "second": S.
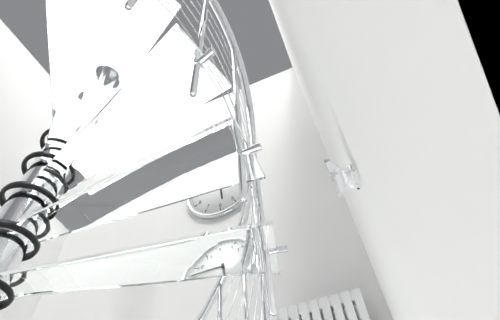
{"hour": 5, "minute": 47}
